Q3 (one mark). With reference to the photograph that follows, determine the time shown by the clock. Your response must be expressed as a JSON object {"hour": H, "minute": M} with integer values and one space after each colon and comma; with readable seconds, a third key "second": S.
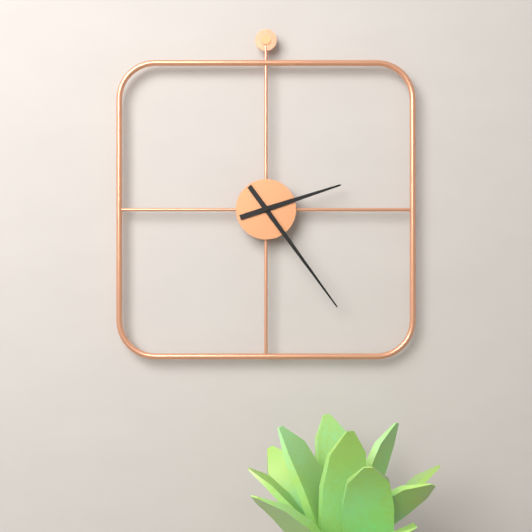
{"hour": 2, "minute": 24}
